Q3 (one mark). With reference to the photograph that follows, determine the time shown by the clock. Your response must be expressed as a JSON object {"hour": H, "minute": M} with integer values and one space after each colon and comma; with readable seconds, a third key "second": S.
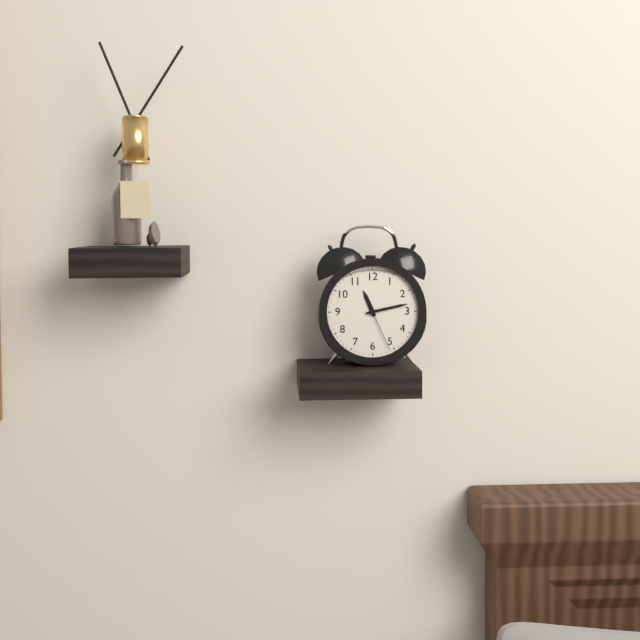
{"hour": 11, "minute": 13, "second": 26}
